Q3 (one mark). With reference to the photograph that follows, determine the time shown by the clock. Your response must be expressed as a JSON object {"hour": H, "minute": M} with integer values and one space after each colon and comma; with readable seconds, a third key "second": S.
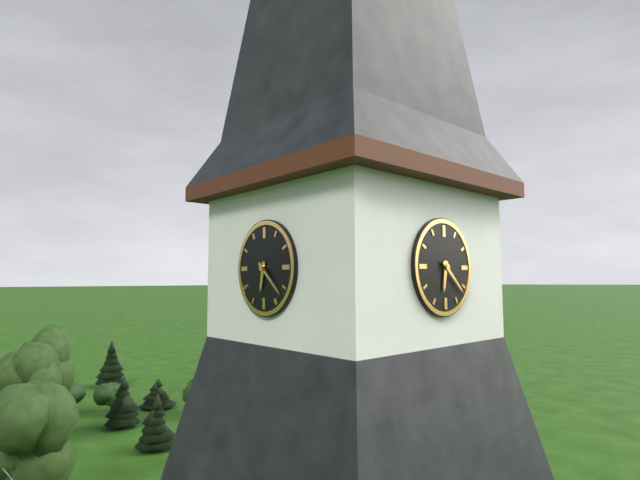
{"hour": 6, "minute": 22}
